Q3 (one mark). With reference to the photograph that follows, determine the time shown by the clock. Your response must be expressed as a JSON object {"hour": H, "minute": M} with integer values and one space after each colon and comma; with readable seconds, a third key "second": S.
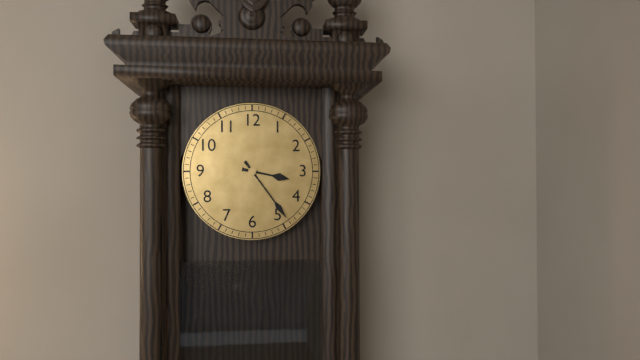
{"hour": 3, "minute": 24}
